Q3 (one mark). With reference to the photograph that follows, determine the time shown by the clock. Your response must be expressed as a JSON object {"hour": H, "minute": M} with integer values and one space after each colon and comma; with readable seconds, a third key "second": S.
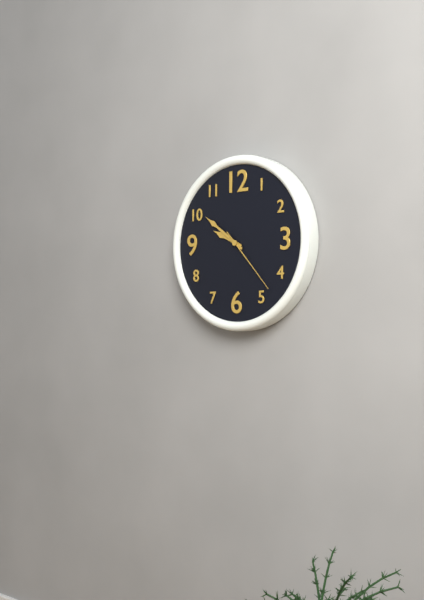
{"hour": 9, "minute": 51, "second": 23}
